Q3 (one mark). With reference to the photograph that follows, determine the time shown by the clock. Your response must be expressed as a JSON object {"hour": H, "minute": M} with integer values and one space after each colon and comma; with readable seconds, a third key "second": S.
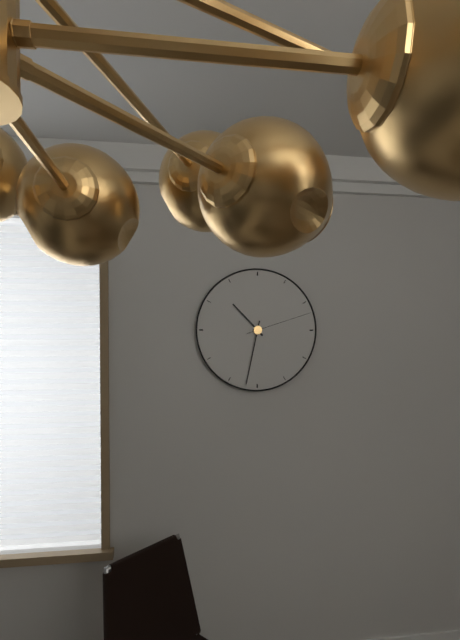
{"hour": 10, "minute": 32, "second": 12}
